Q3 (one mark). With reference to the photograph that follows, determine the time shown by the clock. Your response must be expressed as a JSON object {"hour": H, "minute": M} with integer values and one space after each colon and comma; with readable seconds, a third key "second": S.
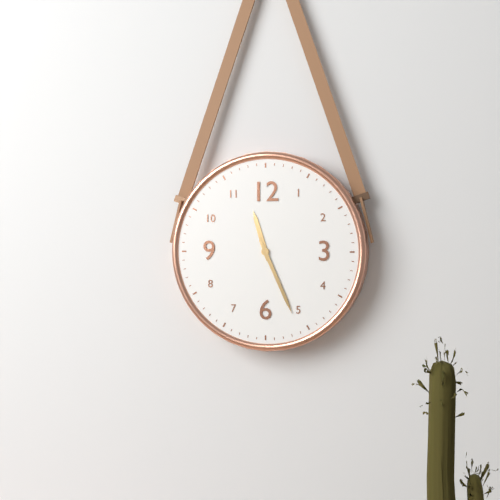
{"hour": 11, "minute": 26}
